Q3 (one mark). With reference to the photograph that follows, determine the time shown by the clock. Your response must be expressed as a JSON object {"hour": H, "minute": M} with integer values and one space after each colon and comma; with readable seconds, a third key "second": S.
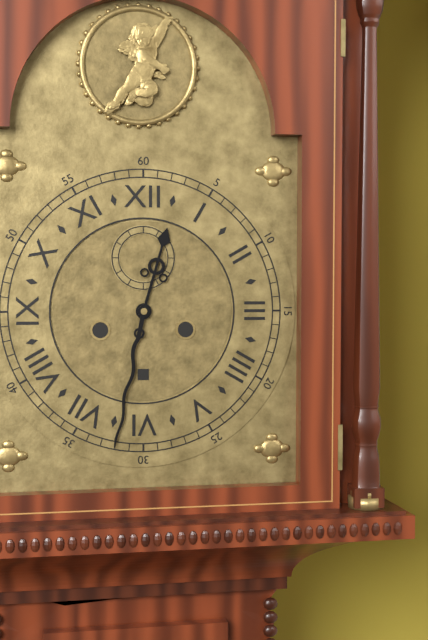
{"hour": 12, "minute": 32}
